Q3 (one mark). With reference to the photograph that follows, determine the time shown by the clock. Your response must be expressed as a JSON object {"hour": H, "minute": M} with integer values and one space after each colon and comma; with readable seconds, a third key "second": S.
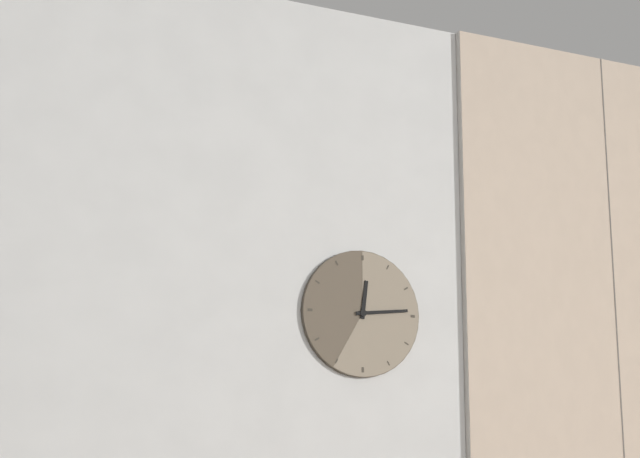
{"hour": 12, "minute": 14}
